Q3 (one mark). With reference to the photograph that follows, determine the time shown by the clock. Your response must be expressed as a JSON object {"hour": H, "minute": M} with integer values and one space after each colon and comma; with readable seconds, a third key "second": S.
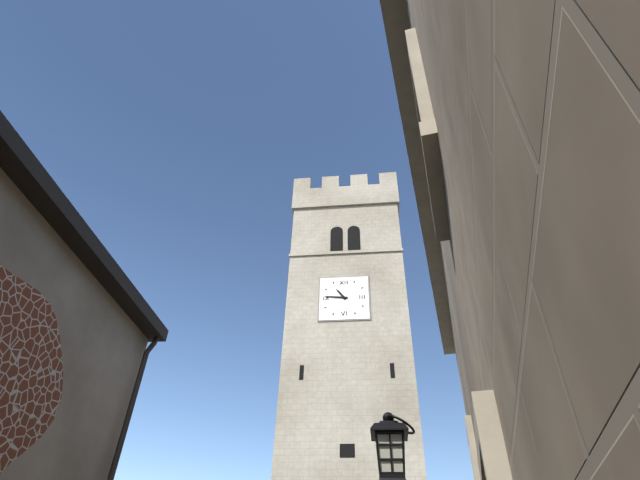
{"hour": 10, "minute": 46}
